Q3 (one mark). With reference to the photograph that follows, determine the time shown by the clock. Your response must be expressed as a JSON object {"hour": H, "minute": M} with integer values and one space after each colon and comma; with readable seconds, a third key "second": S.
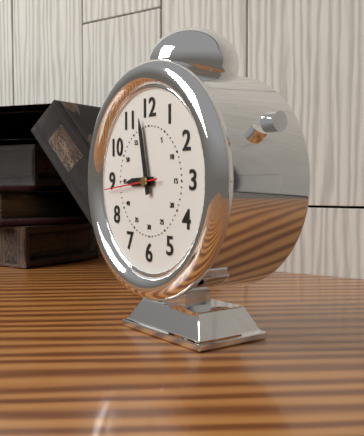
{"hour": 8, "minute": 58, "second": 44}
